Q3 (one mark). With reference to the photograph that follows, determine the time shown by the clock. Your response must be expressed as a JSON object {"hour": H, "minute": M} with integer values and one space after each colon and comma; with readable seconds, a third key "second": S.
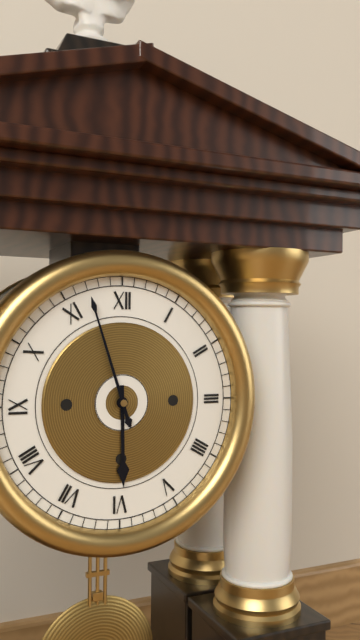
{"hour": 5, "minute": 57}
